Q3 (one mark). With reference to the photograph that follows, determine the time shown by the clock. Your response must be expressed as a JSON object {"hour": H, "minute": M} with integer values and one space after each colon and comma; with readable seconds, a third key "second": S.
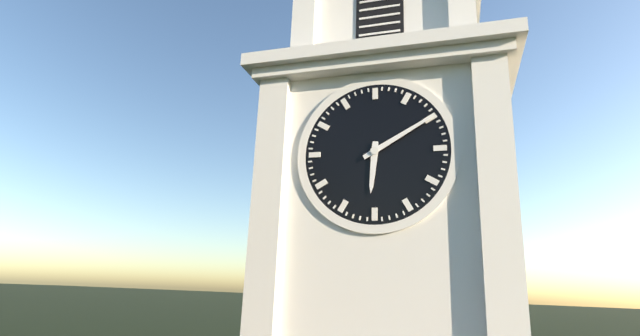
{"hour": 6, "minute": 10}
